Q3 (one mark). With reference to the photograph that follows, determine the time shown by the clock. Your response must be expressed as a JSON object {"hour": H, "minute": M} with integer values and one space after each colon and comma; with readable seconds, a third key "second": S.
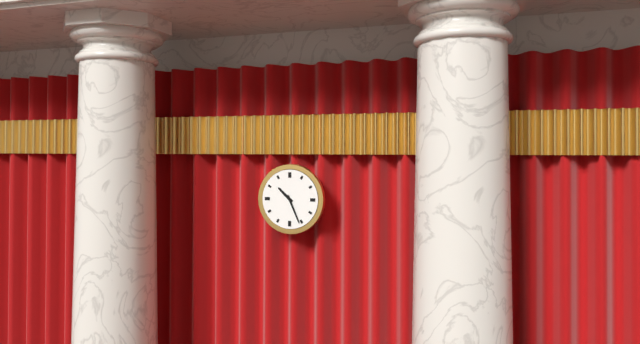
{"hour": 10, "minute": 26}
